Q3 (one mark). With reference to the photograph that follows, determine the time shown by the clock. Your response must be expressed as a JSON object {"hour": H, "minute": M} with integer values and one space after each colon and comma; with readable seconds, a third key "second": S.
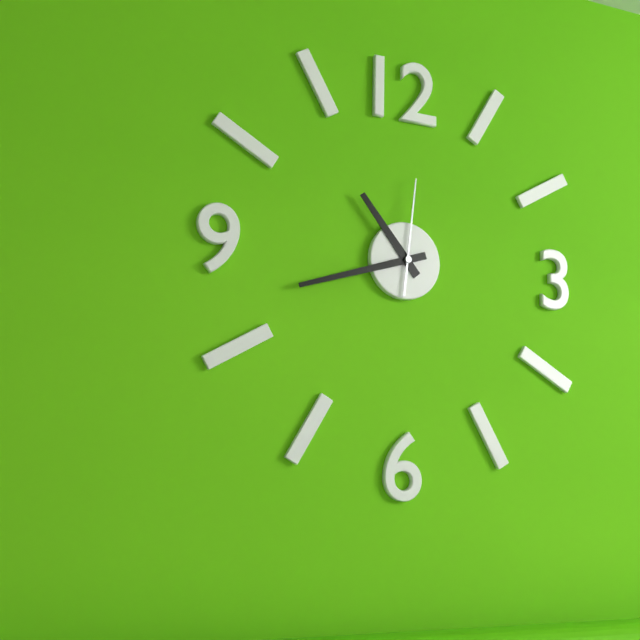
{"hour": 10, "minute": 42, "second": 1}
